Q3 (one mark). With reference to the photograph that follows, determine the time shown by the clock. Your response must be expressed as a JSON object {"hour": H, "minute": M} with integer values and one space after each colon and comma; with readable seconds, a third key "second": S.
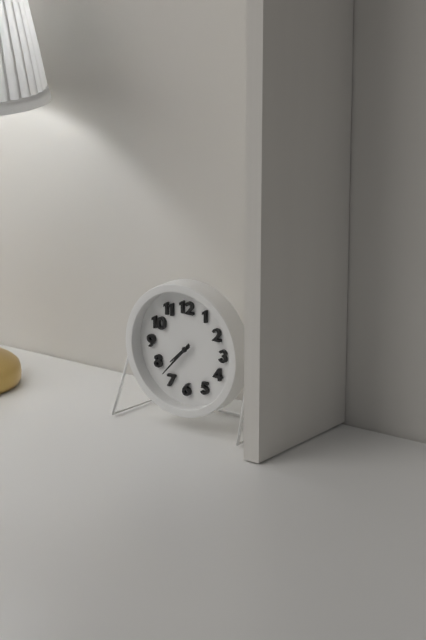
{"hour": 7, "minute": 37}
